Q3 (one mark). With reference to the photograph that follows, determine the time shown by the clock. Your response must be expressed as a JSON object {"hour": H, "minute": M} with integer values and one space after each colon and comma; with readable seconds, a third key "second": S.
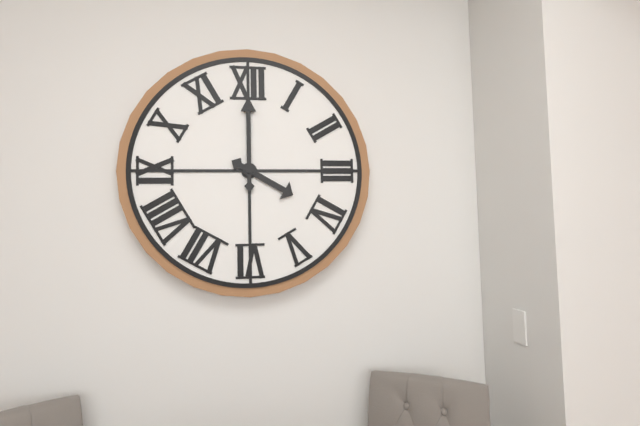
{"hour": 4, "minute": 0}
